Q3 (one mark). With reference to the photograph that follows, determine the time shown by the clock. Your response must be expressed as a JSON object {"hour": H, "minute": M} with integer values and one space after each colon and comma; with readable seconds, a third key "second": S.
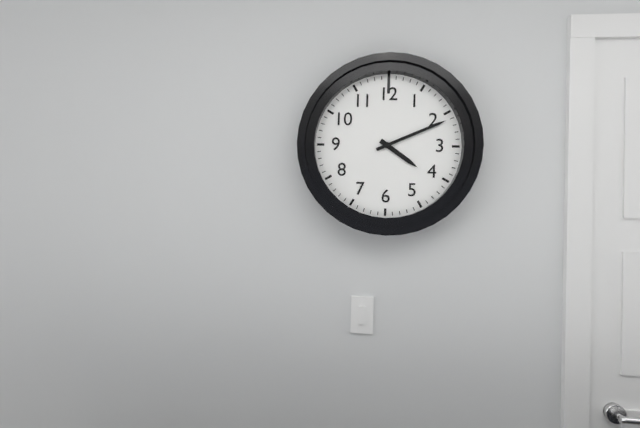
{"hour": 4, "minute": 11}
